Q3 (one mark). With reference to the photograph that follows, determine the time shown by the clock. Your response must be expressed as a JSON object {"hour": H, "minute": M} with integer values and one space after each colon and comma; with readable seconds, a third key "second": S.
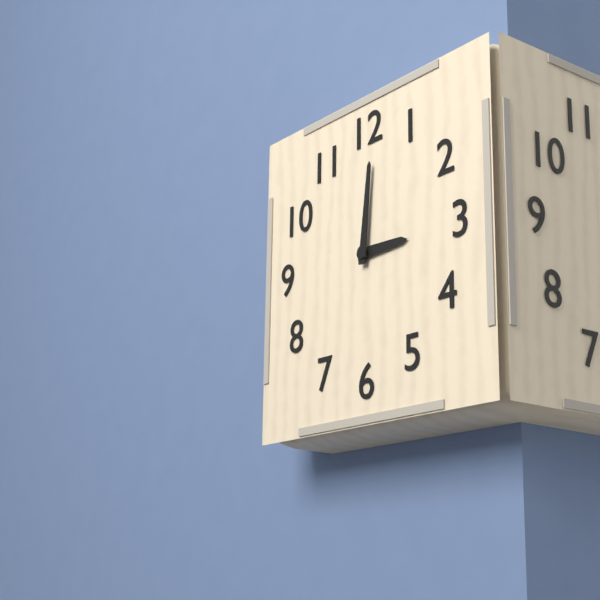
{"hour": 3, "minute": 1}
